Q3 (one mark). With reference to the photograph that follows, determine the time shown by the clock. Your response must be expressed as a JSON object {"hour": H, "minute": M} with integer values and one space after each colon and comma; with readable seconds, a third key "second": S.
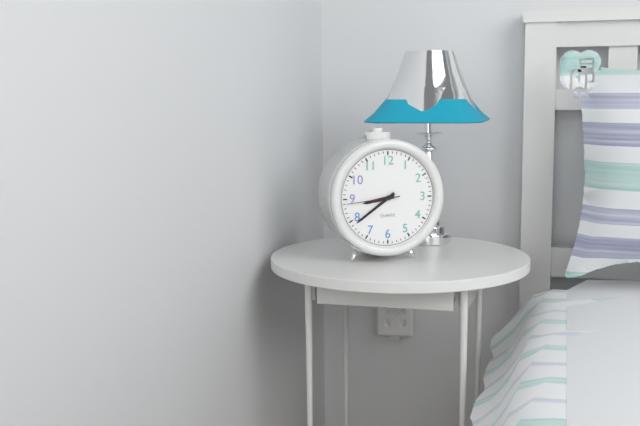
{"hour": 8, "minute": 39, "second": 44}
